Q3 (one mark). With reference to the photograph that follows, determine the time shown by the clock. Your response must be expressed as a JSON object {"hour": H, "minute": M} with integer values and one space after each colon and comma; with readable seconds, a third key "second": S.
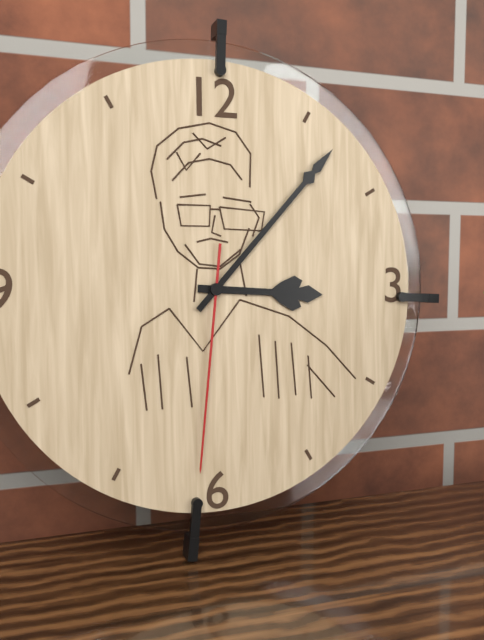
{"hour": 3, "minute": 7, "second": 31}
